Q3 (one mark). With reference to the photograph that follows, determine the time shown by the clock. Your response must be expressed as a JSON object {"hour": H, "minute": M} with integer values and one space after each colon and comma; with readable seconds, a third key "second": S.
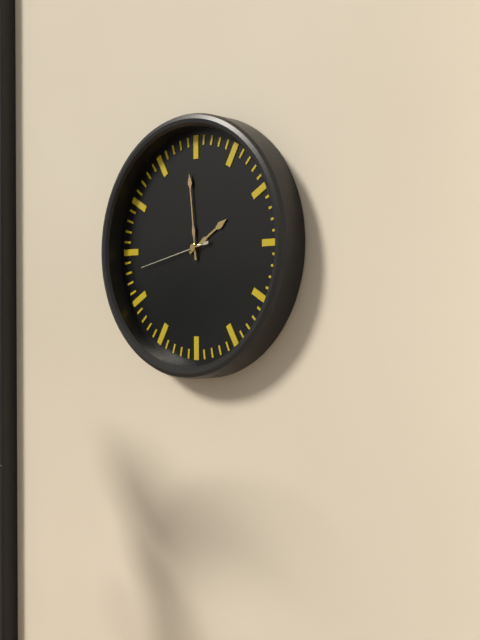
{"hour": 1, "minute": 59, "second": 43}
